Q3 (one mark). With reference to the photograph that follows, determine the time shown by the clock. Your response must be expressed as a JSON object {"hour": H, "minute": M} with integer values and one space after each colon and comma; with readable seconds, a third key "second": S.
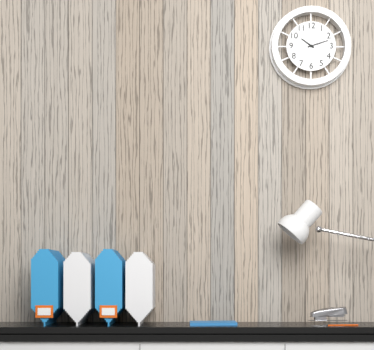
{"hour": 10, "minute": 12}
